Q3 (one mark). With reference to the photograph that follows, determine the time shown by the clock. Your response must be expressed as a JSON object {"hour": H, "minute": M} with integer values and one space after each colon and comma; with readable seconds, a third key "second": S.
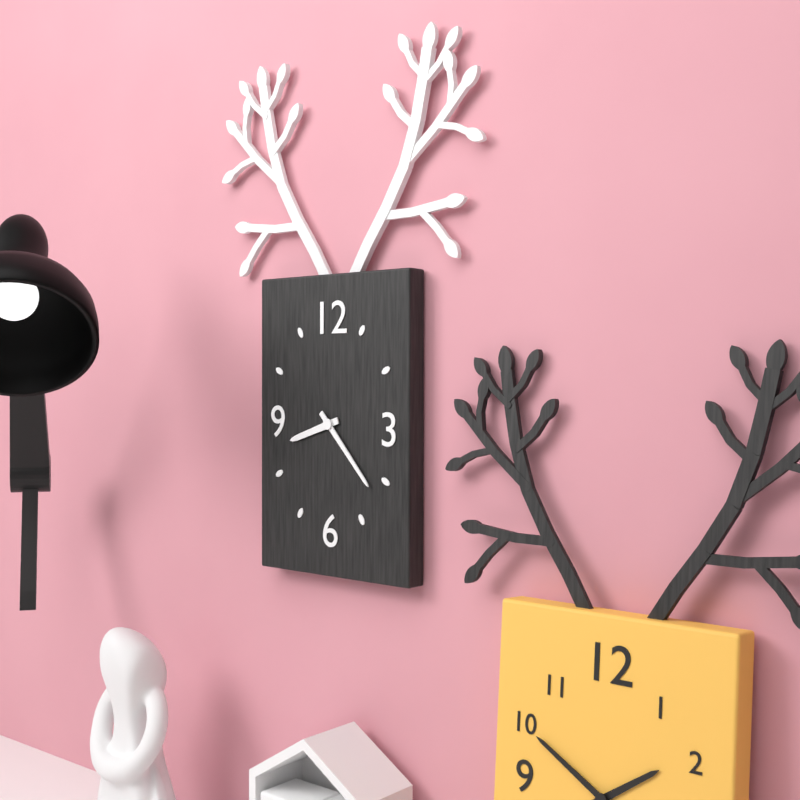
{"hour": 8, "minute": 23}
